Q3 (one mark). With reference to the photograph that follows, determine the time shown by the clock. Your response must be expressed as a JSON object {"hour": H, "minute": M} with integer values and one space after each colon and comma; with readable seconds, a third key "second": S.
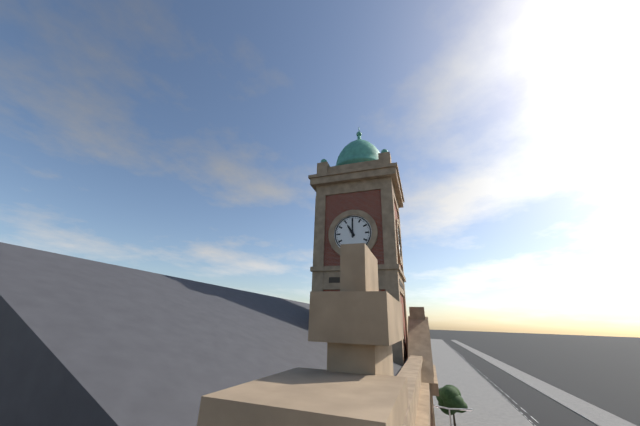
{"hour": 11, "minute": 0}
